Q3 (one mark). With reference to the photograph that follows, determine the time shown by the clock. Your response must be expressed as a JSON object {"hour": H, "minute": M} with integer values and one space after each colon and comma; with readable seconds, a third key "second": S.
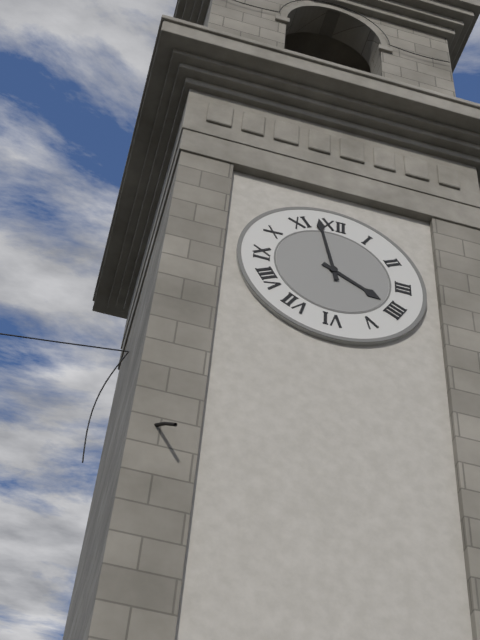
{"hour": 3, "minute": 58}
